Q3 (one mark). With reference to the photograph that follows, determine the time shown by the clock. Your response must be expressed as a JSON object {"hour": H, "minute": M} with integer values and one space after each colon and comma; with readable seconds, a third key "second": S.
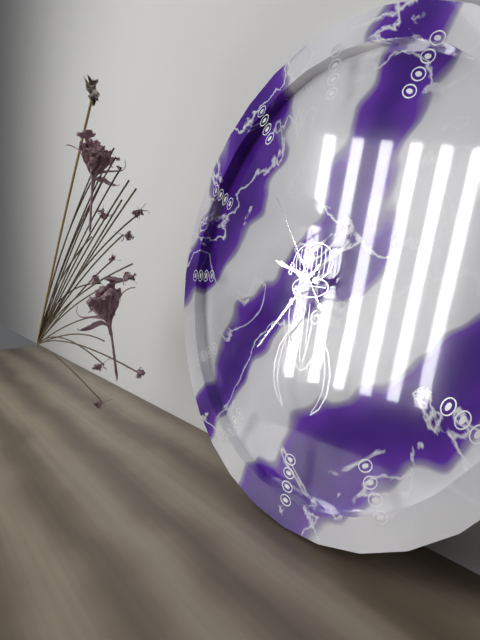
{"hour": 9, "minute": 37, "second": 54}
